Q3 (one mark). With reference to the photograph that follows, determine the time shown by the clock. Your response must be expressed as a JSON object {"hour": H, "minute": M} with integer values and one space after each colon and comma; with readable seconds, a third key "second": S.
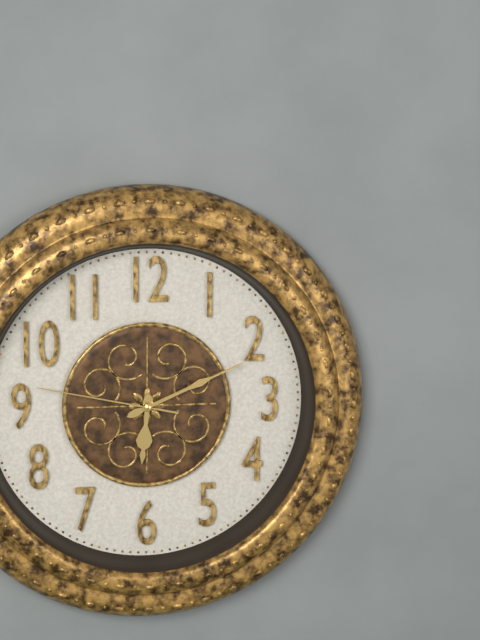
{"hour": 6, "minute": 11, "second": 47}
